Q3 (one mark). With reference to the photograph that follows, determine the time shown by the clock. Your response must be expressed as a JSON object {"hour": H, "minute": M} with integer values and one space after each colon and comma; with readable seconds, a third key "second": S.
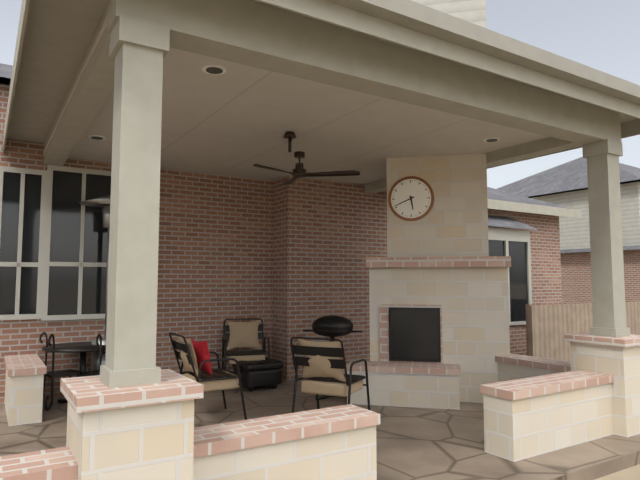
{"hour": 5, "minute": 41}
